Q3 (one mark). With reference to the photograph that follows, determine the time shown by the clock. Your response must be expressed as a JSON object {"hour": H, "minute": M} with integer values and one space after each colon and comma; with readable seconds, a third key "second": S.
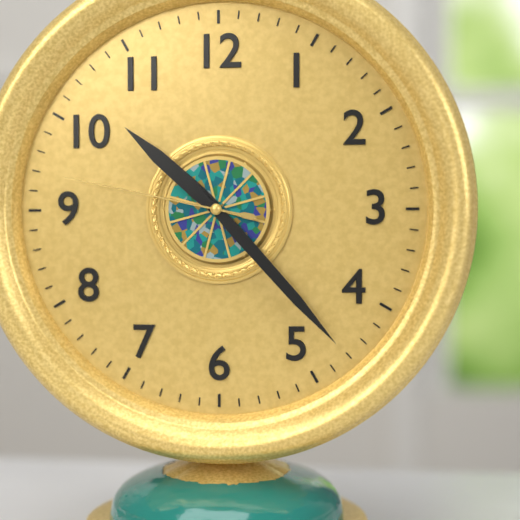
{"hour": 10, "minute": 23, "second": 47}
